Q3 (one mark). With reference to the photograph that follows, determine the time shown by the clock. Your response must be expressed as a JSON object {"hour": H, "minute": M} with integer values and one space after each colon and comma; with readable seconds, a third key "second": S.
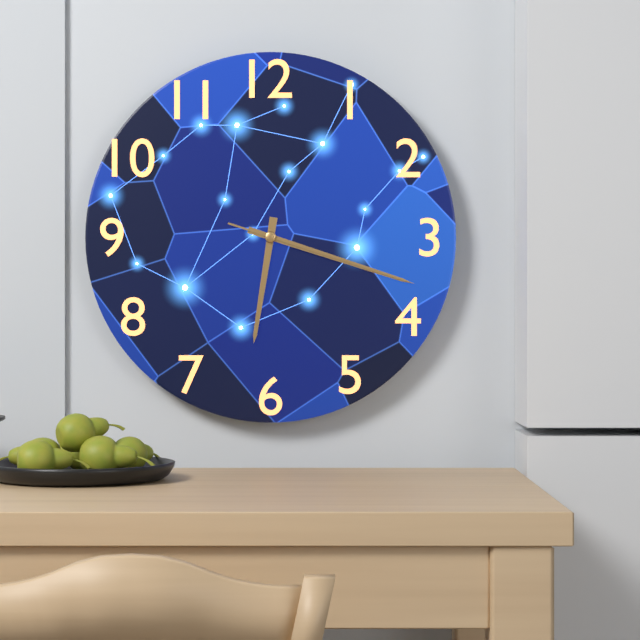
{"hour": 6, "minute": 18, "second": 18}
